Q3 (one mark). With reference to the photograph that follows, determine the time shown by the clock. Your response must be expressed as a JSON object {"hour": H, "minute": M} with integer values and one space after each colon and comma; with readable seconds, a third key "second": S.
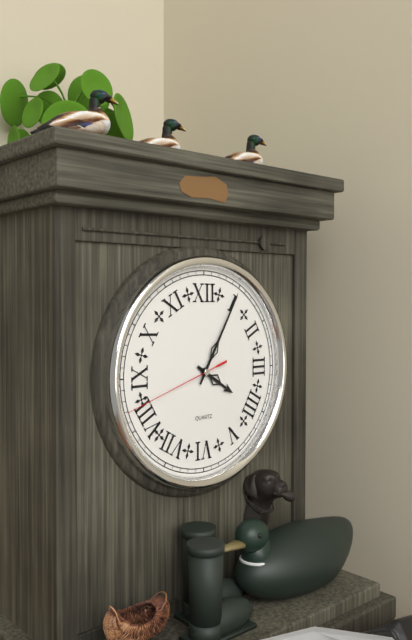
{"hour": 4, "minute": 5, "second": 42}
